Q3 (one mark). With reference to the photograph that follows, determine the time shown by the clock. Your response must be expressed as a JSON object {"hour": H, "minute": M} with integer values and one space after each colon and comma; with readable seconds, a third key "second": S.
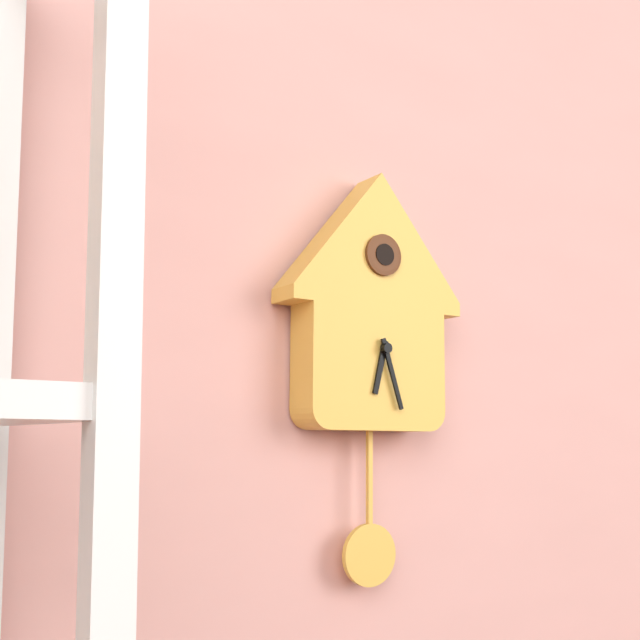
{"hour": 6, "minute": 27}
